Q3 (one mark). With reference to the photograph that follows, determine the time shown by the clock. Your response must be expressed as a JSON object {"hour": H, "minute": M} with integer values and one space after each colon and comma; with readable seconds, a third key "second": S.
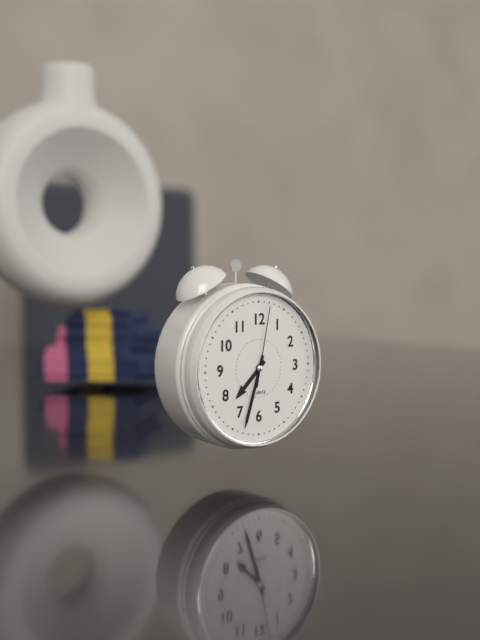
{"hour": 7, "minute": 33, "second": 2}
